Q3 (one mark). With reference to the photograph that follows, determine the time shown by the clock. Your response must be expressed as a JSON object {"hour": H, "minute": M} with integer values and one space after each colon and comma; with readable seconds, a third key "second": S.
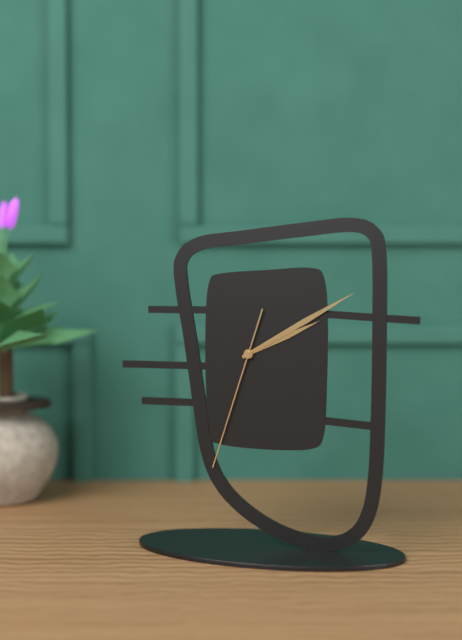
{"hour": 2, "minute": 10, "second": 33}
